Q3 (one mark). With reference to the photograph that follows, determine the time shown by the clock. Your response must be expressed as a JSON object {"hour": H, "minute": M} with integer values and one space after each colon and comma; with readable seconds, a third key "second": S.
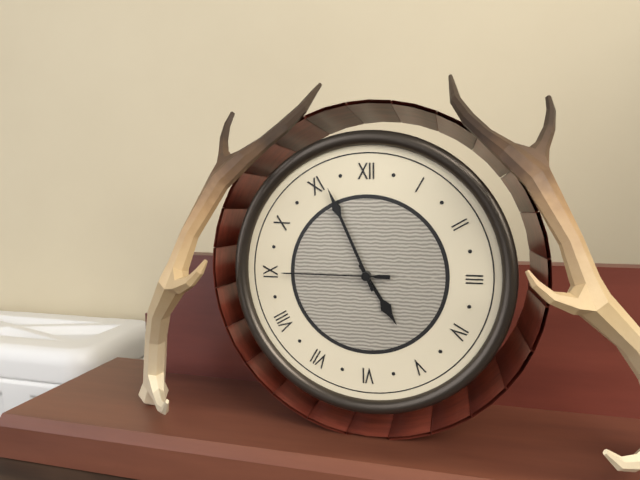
{"hour": 4, "minute": 56, "second": 45}
